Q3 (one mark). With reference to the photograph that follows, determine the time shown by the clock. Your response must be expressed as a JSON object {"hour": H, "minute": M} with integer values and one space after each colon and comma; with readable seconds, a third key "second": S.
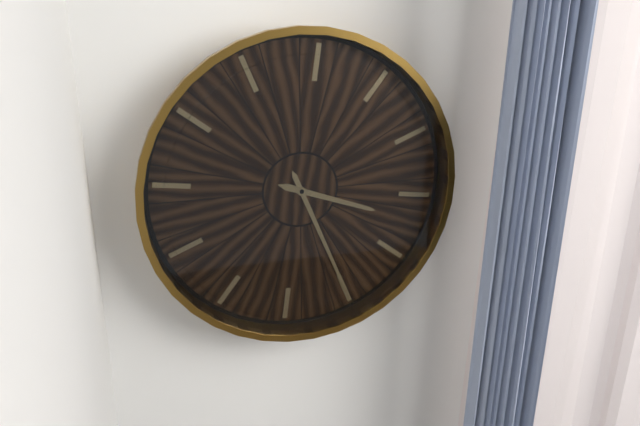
{"hour": 3, "minute": 25}
